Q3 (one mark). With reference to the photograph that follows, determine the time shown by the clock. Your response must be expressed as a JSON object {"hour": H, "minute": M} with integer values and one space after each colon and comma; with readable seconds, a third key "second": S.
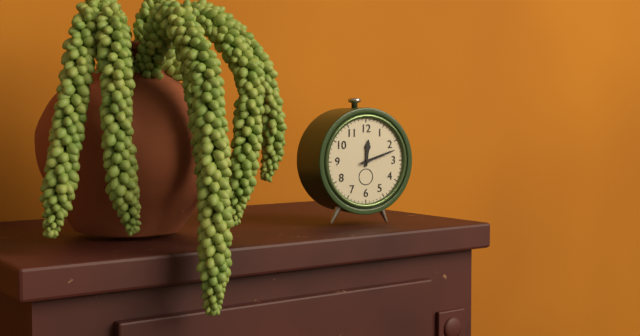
{"hour": 12, "minute": 12}
